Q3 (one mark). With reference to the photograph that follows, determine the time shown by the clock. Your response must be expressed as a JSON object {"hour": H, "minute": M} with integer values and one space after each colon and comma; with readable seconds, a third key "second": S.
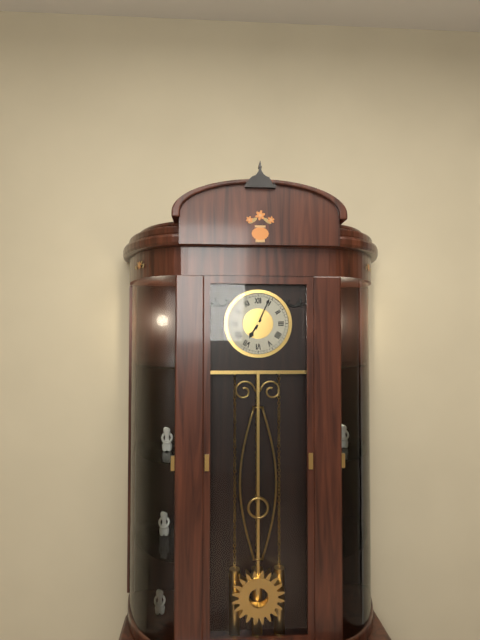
{"hour": 7, "minute": 4}
